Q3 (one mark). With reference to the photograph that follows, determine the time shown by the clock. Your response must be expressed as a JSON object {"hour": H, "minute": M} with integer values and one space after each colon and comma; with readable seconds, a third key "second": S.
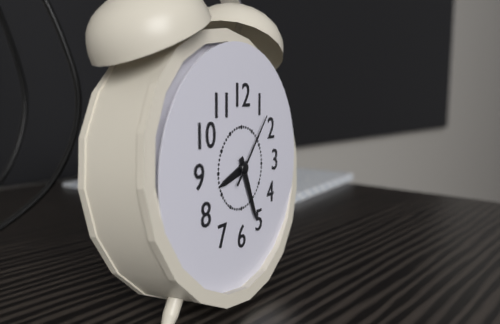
{"hour": 8, "minute": 26, "second": 7}
